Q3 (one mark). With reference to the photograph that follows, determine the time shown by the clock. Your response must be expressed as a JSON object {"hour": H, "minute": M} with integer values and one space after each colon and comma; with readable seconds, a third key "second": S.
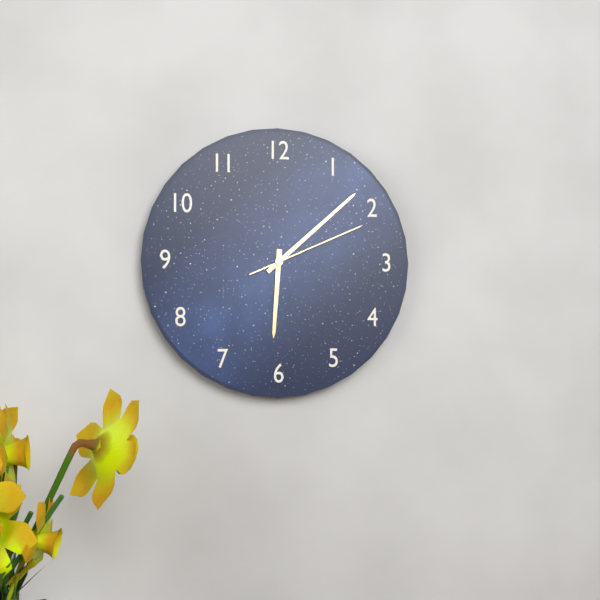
{"hour": 6, "minute": 8, "second": 11}
